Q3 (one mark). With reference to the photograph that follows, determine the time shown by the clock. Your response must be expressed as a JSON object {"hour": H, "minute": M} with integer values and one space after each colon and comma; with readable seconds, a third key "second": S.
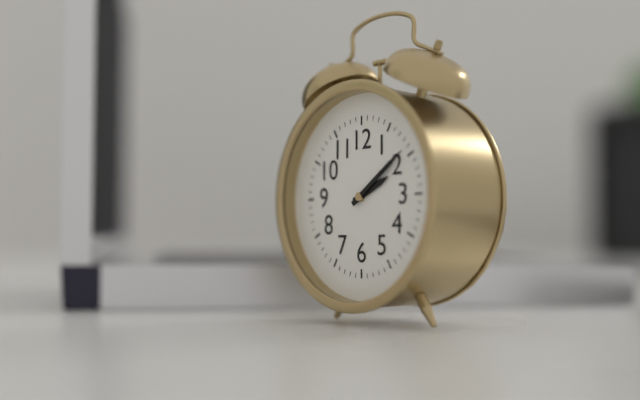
{"hour": 2, "minute": 9}
